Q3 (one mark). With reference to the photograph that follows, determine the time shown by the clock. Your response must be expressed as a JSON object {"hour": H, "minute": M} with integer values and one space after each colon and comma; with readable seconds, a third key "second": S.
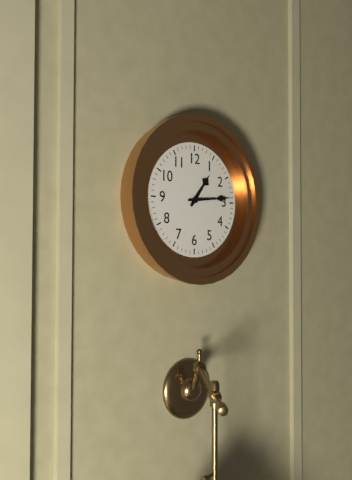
{"hour": 1, "minute": 14}
